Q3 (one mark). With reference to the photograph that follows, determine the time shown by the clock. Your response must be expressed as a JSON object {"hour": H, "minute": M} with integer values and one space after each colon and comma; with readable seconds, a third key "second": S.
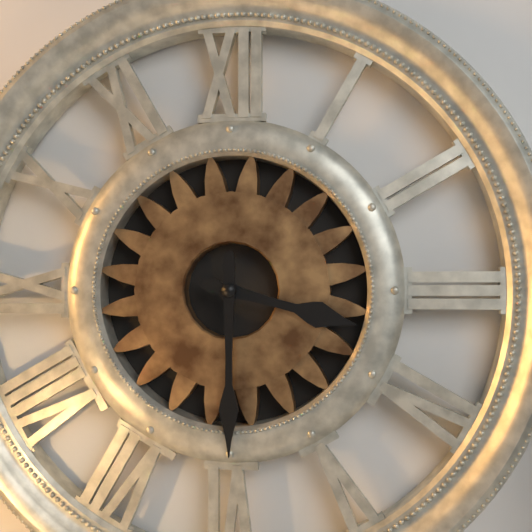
{"hour": 3, "minute": 30}
